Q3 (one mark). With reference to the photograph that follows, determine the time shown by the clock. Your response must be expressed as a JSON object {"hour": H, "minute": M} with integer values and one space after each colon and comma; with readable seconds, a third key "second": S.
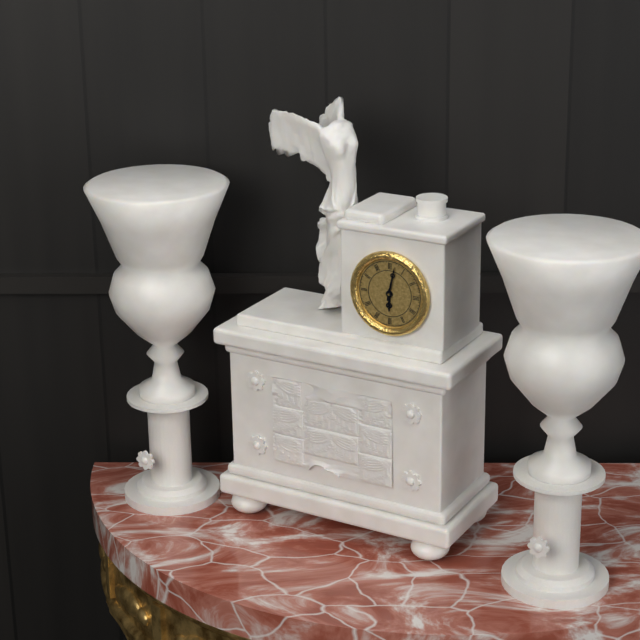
{"hour": 6, "minute": 2}
